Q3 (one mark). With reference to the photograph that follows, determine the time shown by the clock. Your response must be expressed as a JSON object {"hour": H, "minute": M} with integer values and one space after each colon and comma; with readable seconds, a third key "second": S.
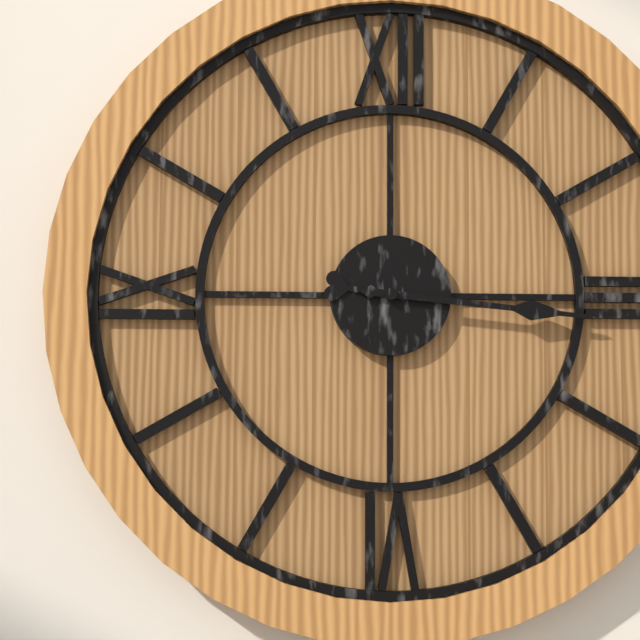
{"hour": 9, "minute": 16}
